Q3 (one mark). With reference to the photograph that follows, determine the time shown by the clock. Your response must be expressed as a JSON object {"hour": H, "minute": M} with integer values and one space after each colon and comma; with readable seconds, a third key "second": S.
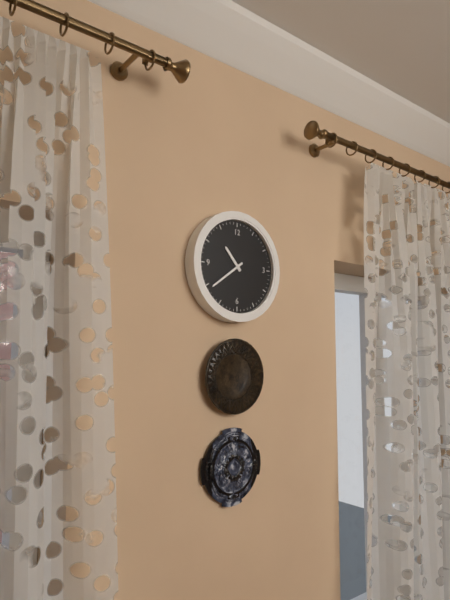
{"hour": 10, "minute": 39}
